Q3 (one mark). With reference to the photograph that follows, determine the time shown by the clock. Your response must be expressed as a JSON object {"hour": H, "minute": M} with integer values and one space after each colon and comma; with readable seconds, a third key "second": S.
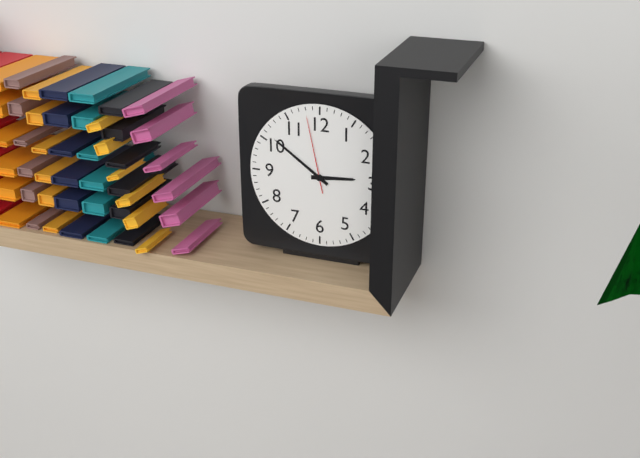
{"hour": 2, "minute": 51, "second": 58}
